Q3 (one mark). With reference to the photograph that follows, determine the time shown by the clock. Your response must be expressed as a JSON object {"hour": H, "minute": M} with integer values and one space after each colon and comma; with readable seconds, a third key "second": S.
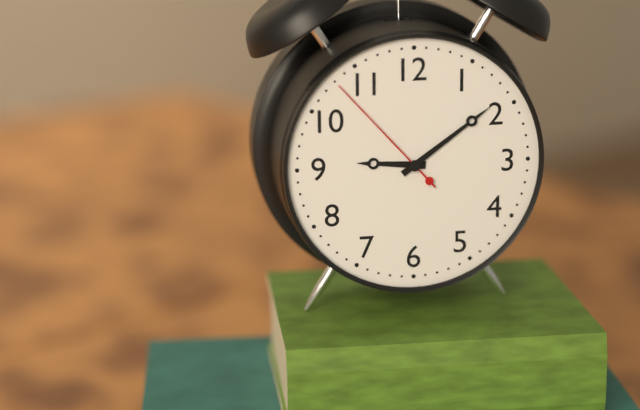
{"hour": 9, "minute": 9, "second": 53}
